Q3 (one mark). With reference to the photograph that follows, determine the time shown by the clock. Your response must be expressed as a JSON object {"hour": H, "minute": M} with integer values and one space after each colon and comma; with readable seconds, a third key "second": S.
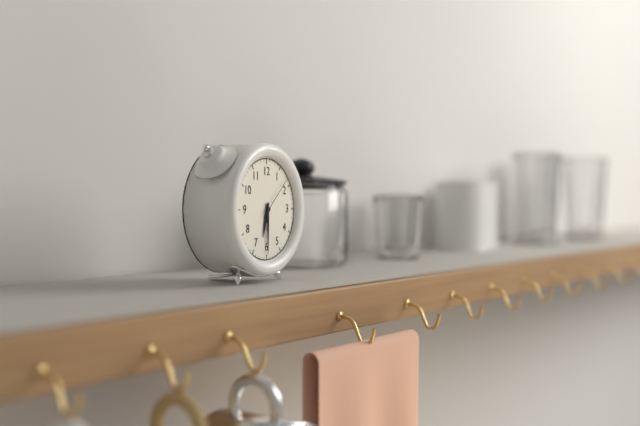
{"hour": 6, "minute": 30}
